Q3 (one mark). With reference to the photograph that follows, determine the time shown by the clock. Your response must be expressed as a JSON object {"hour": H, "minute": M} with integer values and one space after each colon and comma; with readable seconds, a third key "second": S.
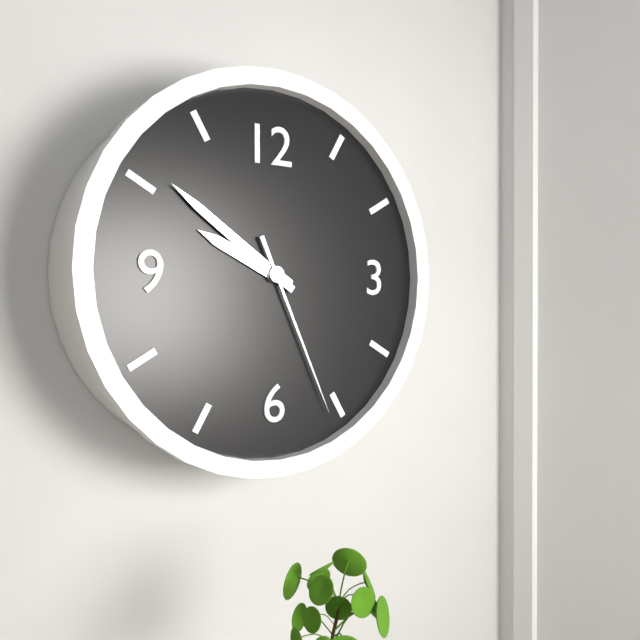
{"hour": 9, "minute": 51, "second": 26}
